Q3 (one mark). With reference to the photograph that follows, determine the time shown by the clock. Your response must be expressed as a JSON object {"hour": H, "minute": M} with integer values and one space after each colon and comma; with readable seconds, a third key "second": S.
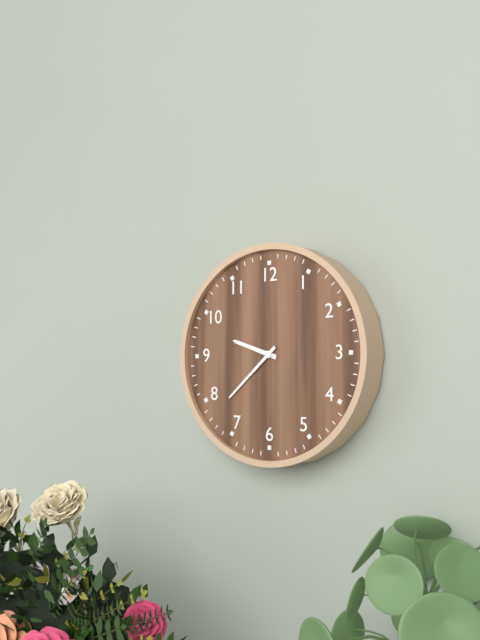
{"hour": 9, "minute": 38}
